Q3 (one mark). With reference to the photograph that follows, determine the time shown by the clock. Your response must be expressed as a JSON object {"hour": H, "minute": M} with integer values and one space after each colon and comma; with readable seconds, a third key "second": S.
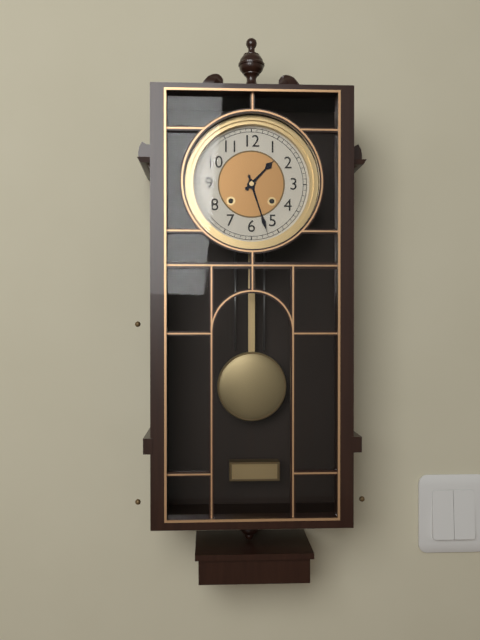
{"hour": 1, "minute": 27}
